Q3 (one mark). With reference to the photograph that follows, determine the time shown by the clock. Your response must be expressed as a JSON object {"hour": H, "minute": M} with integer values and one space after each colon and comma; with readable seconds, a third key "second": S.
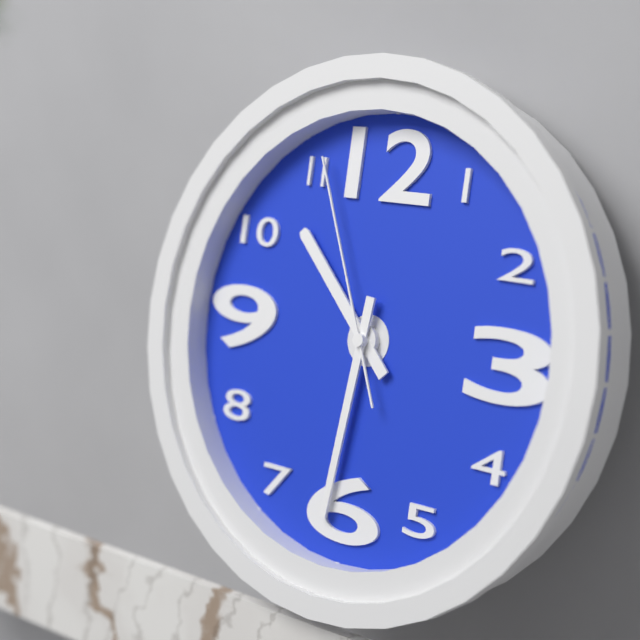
{"hour": 10, "minute": 31, "second": 56}
